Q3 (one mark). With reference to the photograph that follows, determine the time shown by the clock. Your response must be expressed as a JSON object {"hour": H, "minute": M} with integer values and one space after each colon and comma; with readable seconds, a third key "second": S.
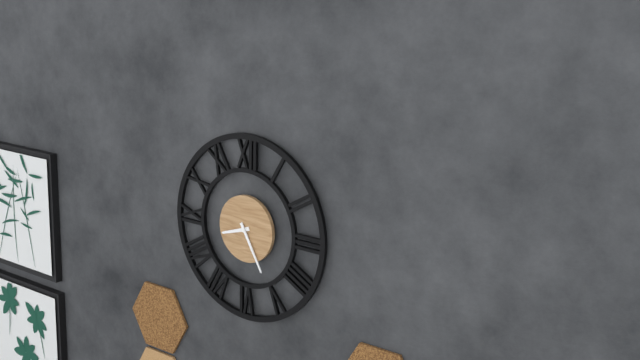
{"hour": 8, "minute": 25}
